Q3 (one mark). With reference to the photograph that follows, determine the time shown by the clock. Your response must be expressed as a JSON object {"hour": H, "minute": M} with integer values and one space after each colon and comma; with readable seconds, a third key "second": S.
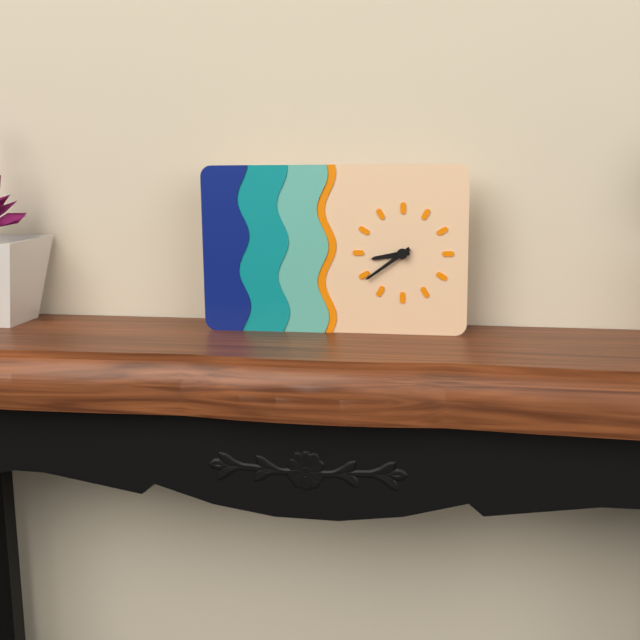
{"hour": 8, "minute": 39}
